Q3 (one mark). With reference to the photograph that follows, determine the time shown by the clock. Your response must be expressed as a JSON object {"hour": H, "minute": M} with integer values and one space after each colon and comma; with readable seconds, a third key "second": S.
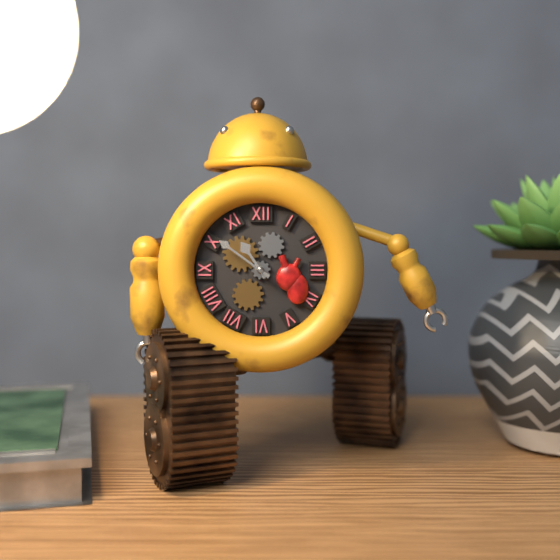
{"hour": 10, "minute": 51}
